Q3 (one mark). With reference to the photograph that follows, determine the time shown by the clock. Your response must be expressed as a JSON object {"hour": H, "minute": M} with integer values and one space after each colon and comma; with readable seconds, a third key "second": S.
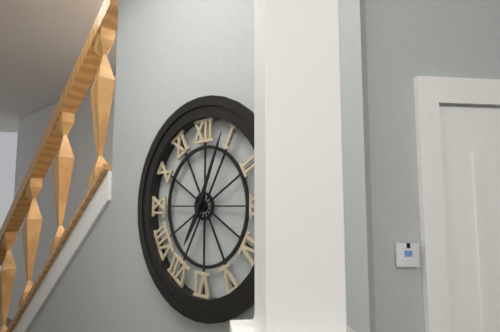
{"hour": 7, "minute": 4}
